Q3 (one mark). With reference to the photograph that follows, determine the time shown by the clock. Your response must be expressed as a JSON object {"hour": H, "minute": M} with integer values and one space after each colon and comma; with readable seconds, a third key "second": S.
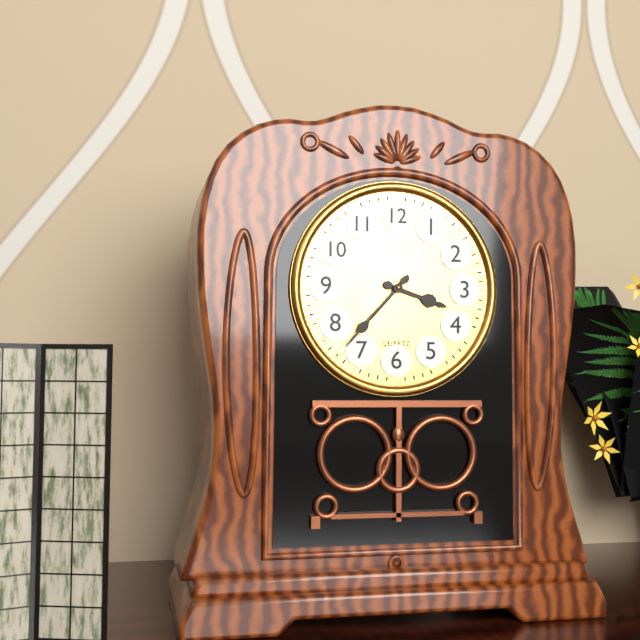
{"hour": 3, "minute": 37}
